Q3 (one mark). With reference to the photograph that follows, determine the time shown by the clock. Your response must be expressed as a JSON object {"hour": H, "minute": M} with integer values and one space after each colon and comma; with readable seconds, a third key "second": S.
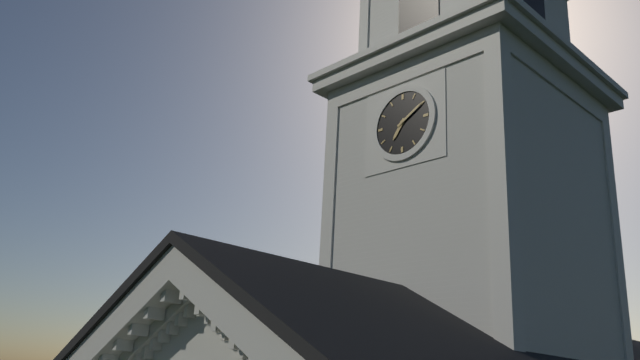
{"hour": 7, "minute": 10}
